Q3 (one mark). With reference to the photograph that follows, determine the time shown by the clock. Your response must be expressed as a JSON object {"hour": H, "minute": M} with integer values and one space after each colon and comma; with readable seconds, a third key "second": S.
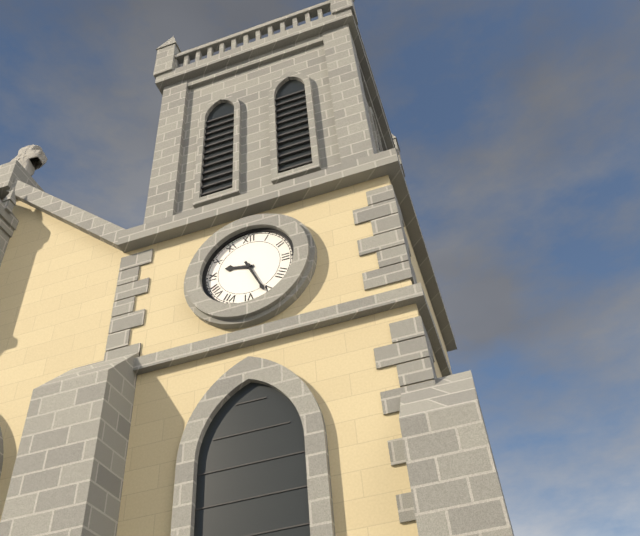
{"hour": 9, "minute": 26}
